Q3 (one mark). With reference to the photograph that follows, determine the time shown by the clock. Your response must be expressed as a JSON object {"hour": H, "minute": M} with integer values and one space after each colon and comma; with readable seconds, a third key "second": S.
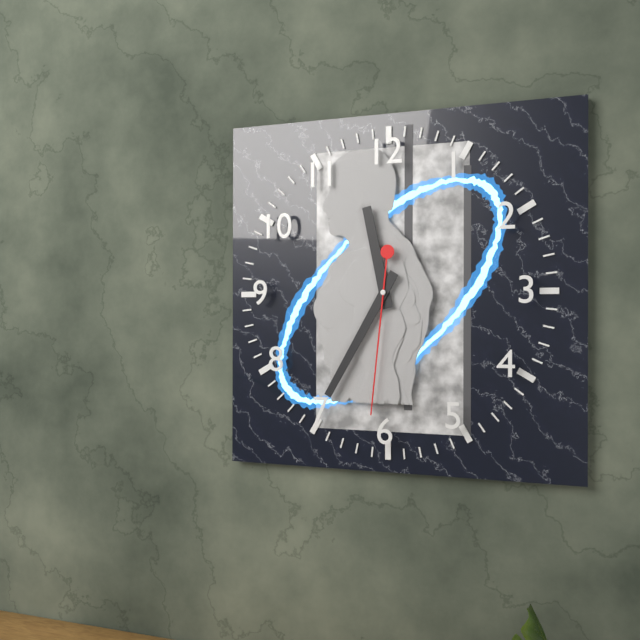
{"hour": 11, "minute": 35, "second": 31}
